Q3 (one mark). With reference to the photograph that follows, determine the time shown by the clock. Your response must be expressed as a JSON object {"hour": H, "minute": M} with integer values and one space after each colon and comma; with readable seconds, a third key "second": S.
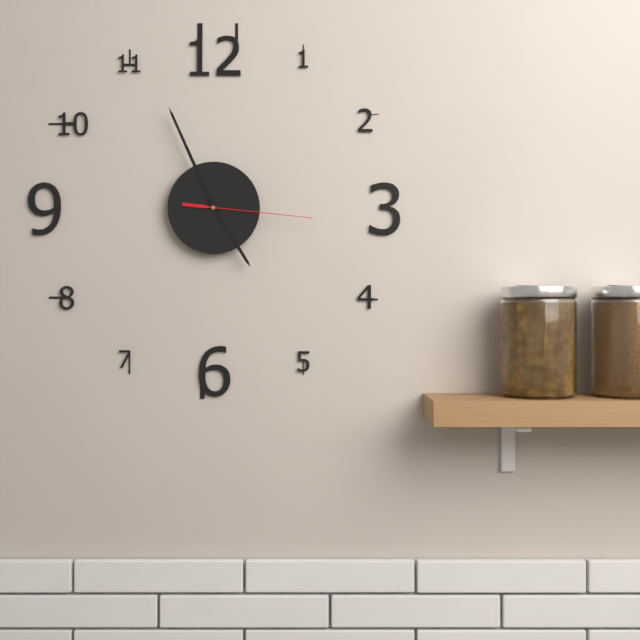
{"hour": 4, "minute": 56, "second": 16}
